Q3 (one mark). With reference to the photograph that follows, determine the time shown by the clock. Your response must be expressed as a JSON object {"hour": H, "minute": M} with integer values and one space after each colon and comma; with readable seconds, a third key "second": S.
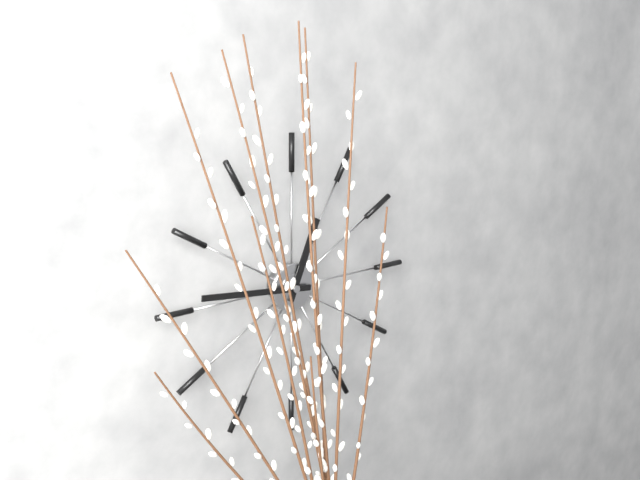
{"hour": 12, "minute": 46}
